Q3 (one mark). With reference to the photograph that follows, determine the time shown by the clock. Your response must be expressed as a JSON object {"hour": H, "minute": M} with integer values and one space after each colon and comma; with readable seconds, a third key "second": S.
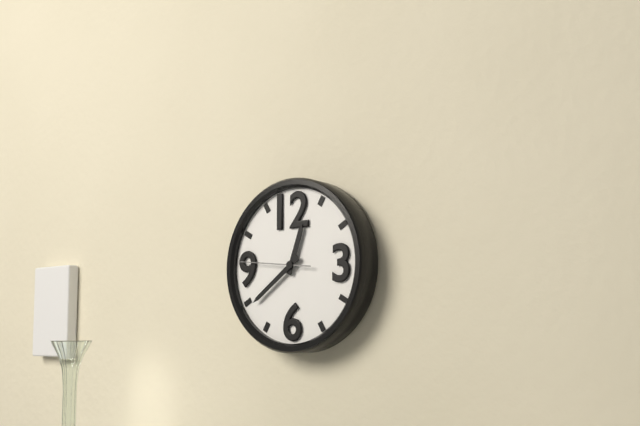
{"hour": 12, "minute": 39, "second": 46}
